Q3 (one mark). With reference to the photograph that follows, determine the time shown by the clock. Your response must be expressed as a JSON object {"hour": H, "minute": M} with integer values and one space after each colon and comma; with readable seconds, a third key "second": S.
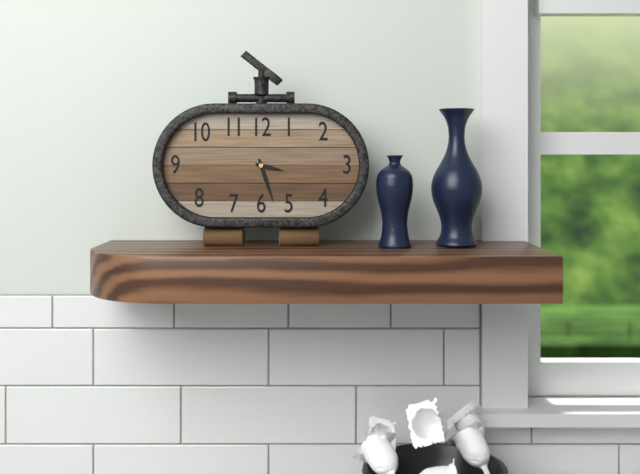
{"hour": 3, "minute": 27}
